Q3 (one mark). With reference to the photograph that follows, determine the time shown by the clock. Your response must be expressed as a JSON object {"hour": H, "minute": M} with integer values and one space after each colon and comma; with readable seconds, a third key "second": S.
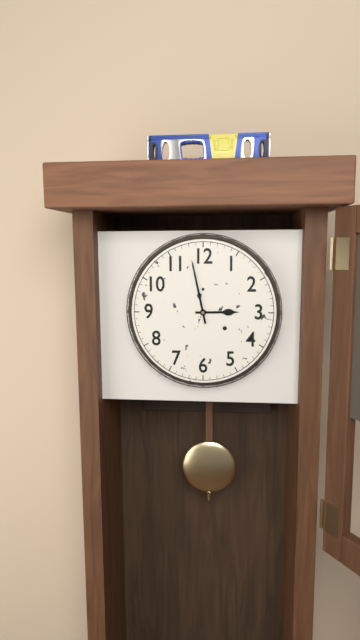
{"hour": 2, "minute": 58}
